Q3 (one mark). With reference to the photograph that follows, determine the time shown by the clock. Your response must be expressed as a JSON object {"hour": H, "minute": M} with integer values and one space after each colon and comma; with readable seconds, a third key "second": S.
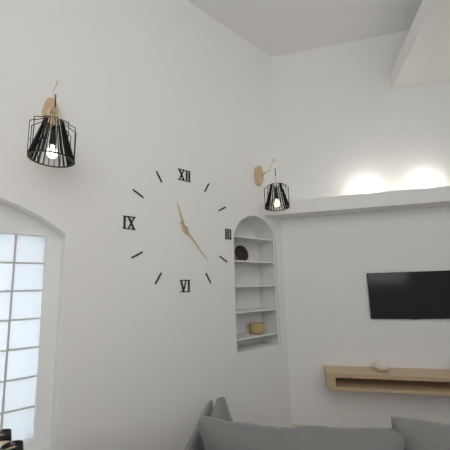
{"hour": 11, "minute": 23}
